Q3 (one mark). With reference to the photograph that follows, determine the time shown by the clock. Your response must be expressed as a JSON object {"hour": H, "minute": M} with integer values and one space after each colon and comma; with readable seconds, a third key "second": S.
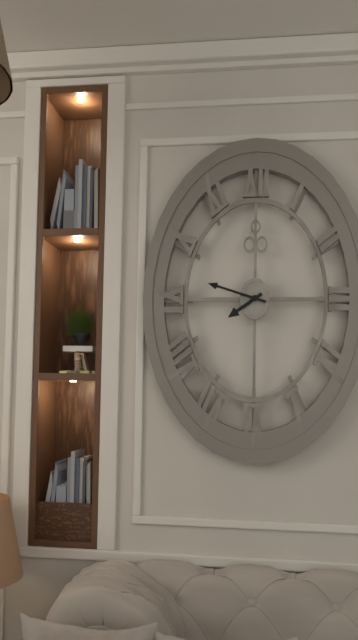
{"hour": 7, "minute": 48}
